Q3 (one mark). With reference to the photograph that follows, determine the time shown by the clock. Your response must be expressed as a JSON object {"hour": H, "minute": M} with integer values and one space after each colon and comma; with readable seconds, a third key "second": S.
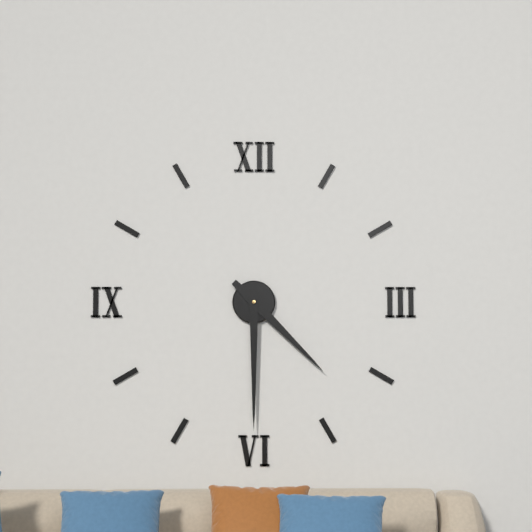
{"hour": 4, "minute": 30}
